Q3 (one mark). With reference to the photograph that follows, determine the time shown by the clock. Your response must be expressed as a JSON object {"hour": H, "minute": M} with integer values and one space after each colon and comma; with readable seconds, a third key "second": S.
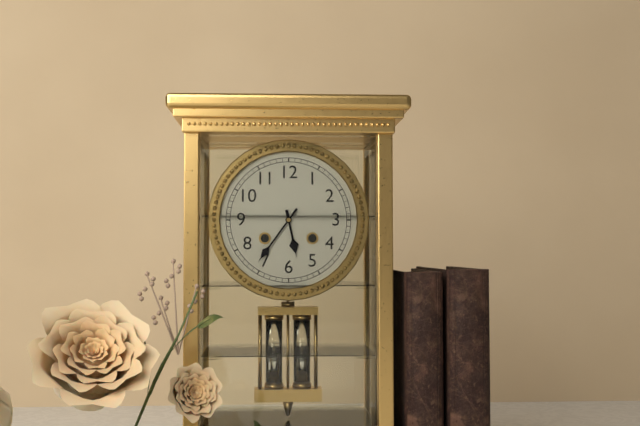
{"hour": 5, "minute": 36}
